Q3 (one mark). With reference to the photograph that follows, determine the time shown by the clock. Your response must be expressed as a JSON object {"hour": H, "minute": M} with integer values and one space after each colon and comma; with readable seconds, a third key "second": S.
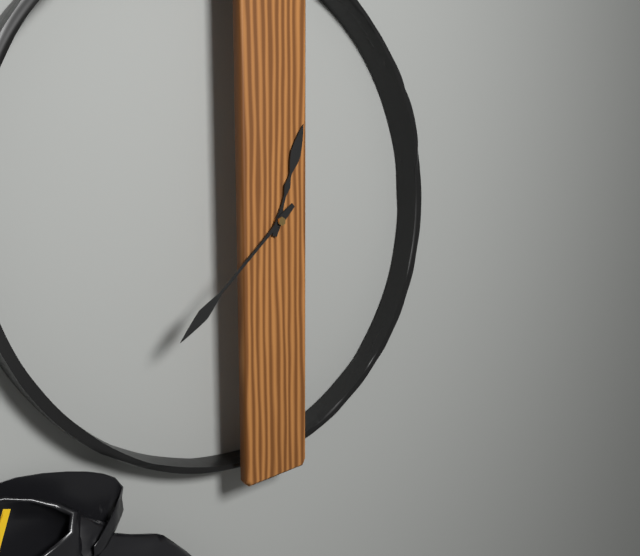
{"hour": 12, "minute": 38}
